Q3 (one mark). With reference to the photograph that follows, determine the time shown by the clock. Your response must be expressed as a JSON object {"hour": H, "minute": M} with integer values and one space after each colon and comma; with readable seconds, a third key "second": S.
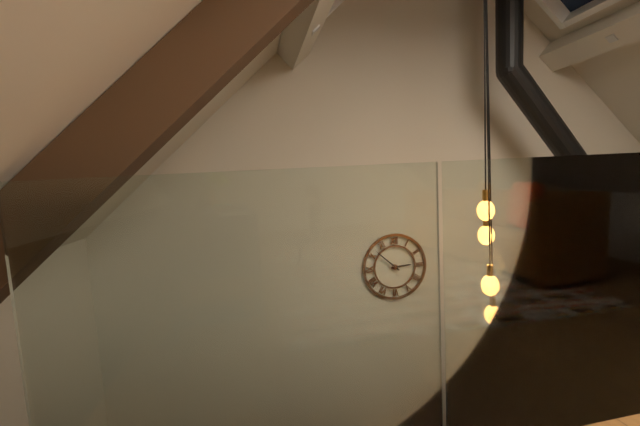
{"hour": 2, "minute": 52}
